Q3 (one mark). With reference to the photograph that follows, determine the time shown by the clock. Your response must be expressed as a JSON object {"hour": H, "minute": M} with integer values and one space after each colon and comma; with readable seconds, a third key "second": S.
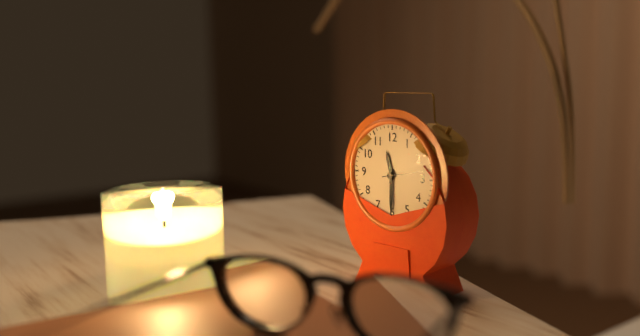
{"hour": 11, "minute": 30}
